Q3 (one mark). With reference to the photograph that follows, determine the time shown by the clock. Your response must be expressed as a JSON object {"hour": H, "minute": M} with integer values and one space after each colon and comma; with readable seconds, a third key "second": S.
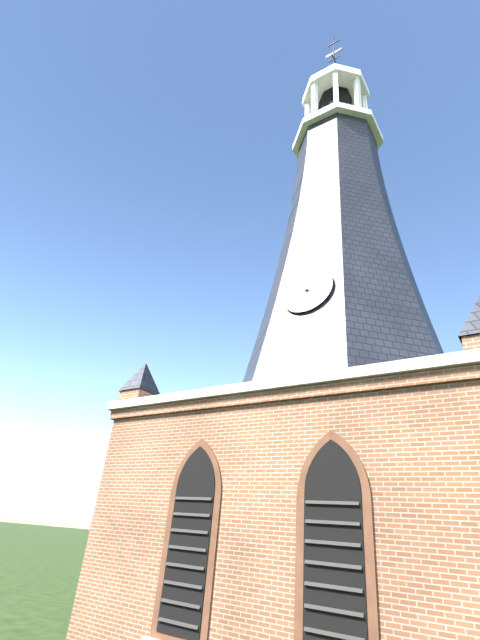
{"hour": 10, "minute": 10}
